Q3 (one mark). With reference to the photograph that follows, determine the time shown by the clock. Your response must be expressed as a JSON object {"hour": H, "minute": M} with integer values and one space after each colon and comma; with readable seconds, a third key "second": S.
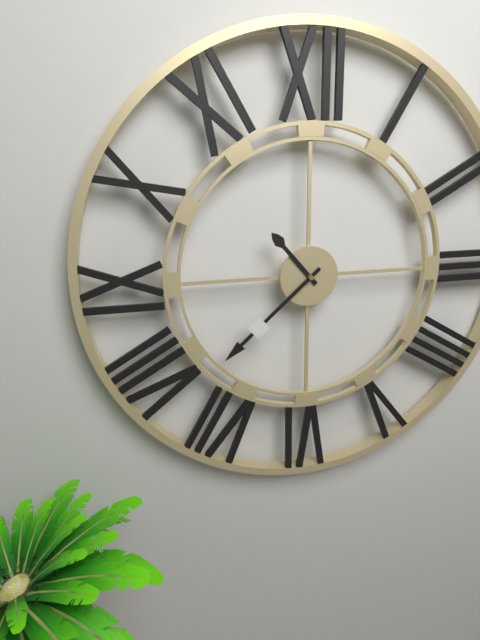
{"hour": 10, "minute": 38}
